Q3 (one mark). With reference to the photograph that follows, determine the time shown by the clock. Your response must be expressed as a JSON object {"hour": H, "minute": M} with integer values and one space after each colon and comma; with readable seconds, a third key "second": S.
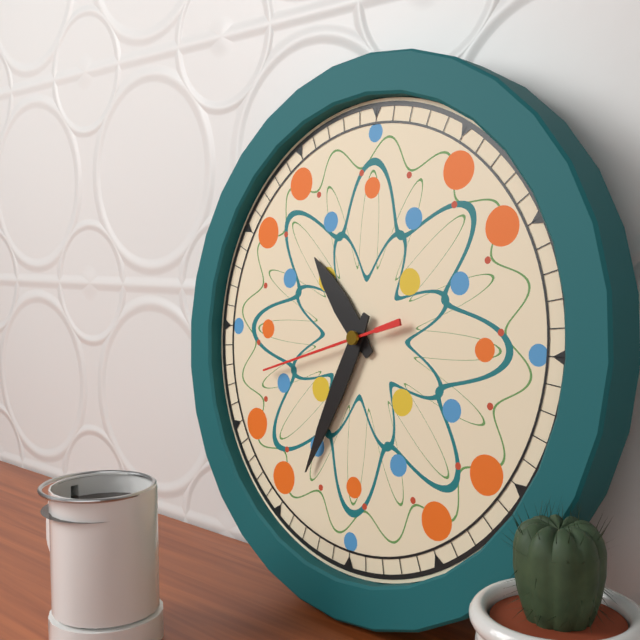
{"hour": 10, "minute": 34, "second": 42}
